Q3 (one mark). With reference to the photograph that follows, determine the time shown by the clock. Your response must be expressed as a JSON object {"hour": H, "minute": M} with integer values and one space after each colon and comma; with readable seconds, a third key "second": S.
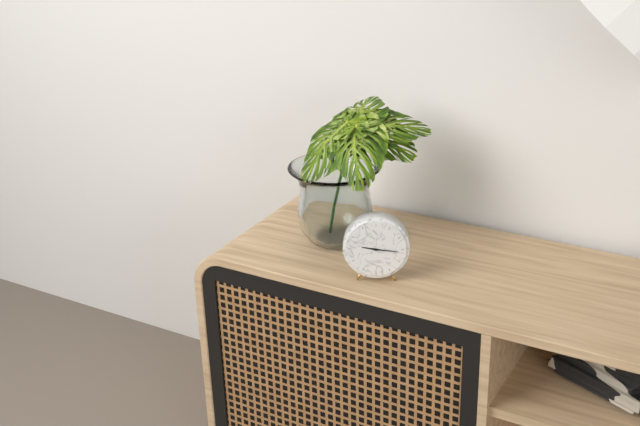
{"hour": 9, "minute": 16}
